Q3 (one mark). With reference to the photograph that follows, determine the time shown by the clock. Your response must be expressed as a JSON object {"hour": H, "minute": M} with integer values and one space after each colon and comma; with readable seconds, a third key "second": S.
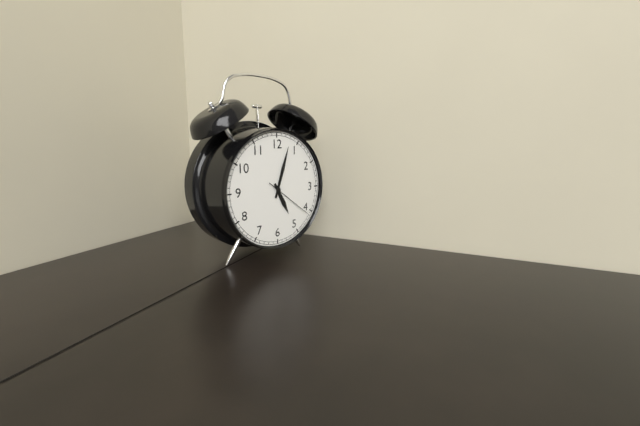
{"hour": 5, "minute": 3}
